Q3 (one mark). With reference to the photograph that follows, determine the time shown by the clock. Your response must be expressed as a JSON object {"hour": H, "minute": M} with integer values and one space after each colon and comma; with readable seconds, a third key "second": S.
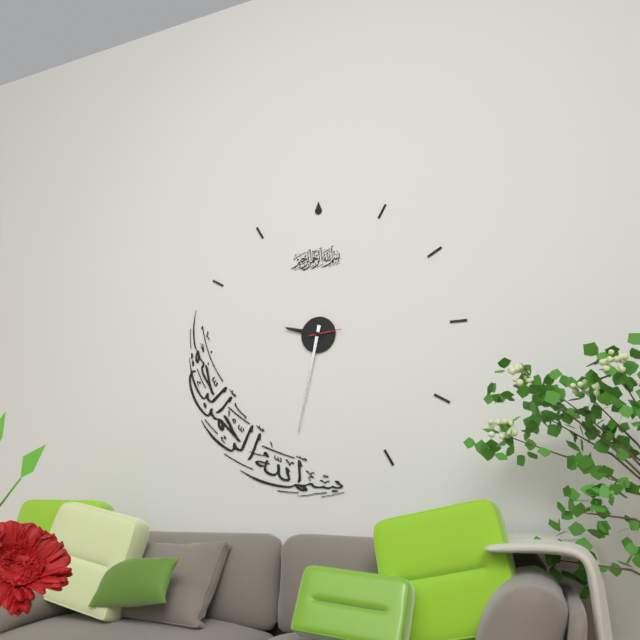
{"hour": 9, "minute": 32}
